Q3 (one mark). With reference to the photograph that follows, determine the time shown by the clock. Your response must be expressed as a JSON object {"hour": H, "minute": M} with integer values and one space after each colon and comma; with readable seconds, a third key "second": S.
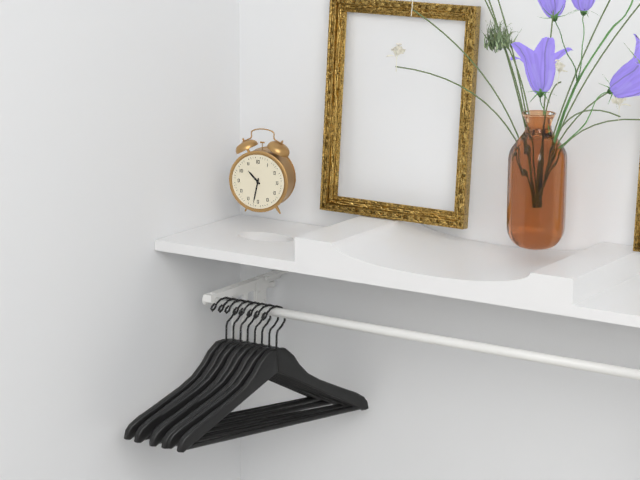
{"hour": 10, "minute": 32}
